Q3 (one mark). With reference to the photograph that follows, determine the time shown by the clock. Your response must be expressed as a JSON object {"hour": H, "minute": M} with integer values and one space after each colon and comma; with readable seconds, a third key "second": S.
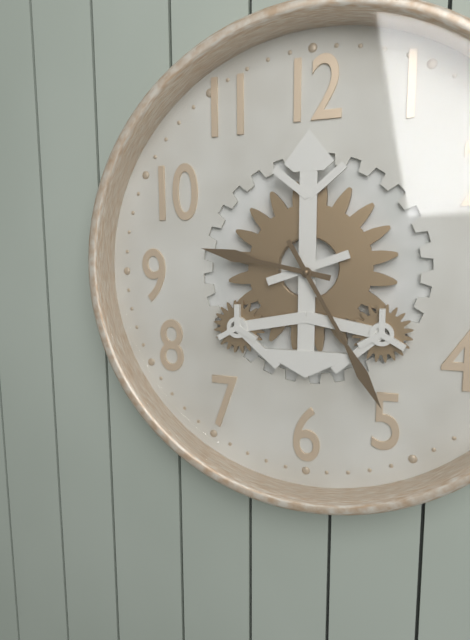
{"hour": 9, "minute": 25}
